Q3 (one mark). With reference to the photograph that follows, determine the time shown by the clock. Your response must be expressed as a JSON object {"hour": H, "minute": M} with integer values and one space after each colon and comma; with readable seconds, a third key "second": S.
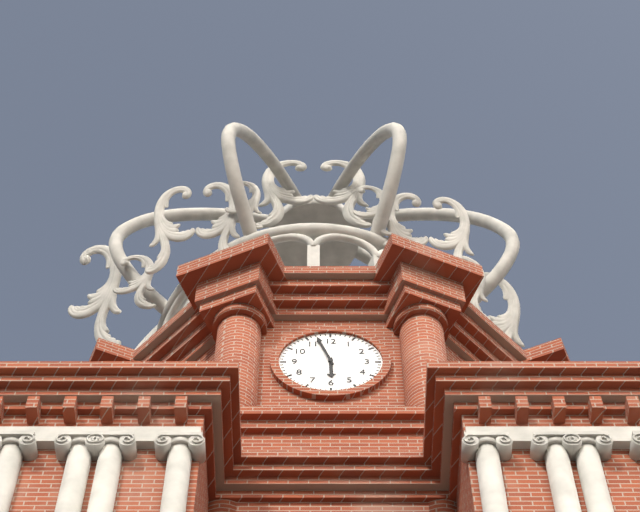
{"hour": 5, "minute": 57}
